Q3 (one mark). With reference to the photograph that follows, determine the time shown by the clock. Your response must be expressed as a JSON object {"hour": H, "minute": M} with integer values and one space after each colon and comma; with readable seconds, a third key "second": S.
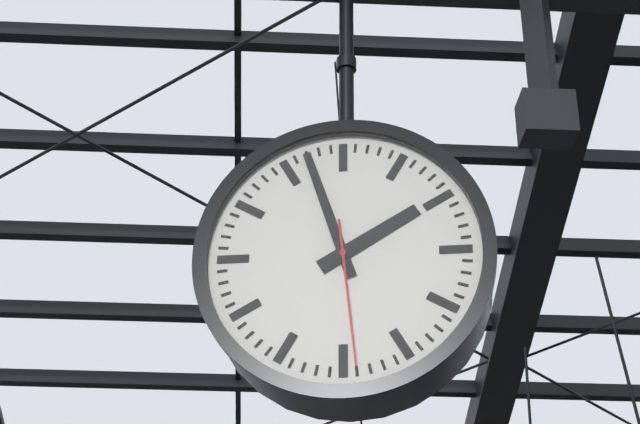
{"hour": 1, "minute": 57, "second": 29}
